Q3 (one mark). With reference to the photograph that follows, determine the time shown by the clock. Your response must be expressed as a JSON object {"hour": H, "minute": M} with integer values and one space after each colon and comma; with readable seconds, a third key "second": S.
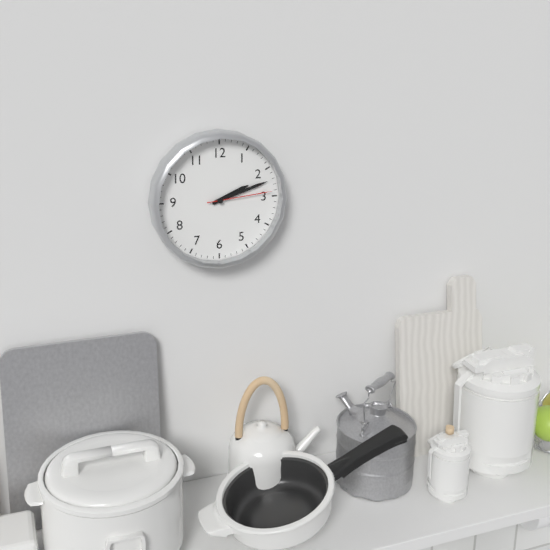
{"hour": 2, "minute": 12, "second": 14}
